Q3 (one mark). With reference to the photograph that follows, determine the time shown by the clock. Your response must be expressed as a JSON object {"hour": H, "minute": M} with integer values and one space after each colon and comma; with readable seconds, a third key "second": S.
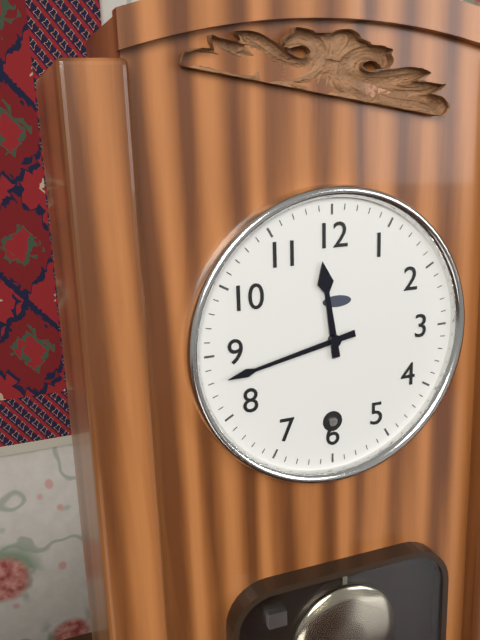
{"hour": 11, "minute": 43}
